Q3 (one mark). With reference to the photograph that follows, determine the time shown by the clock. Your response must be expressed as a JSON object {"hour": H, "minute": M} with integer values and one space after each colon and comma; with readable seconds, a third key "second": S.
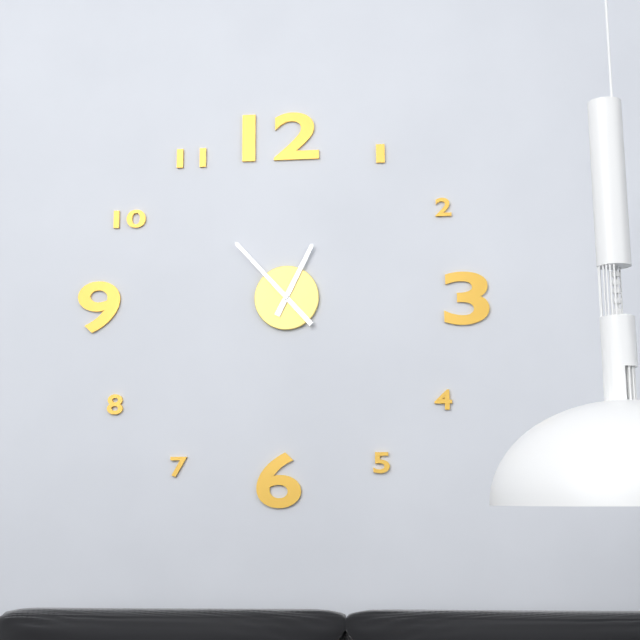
{"hour": 12, "minute": 53}
